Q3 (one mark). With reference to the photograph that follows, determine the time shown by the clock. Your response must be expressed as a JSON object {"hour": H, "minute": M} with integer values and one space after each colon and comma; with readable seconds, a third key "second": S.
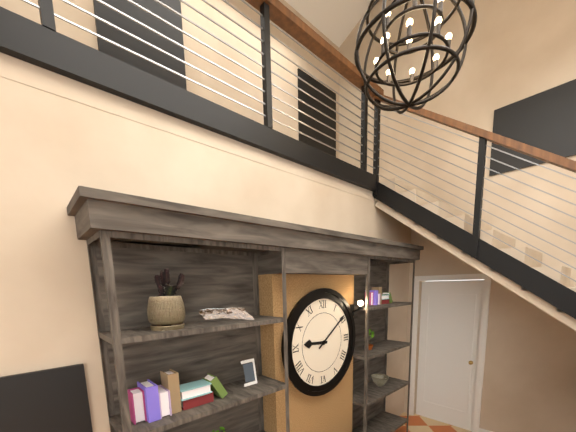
{"hour": 9, "minute": 9}
